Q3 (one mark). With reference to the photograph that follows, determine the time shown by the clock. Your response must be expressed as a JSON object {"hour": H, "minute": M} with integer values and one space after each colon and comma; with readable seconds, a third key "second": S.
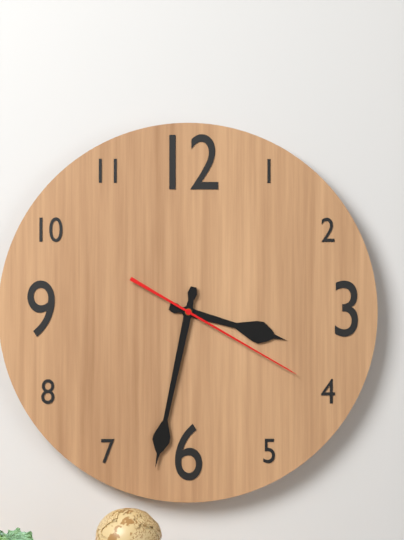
{"hour": 3, "minute": 32, "second": 20}
